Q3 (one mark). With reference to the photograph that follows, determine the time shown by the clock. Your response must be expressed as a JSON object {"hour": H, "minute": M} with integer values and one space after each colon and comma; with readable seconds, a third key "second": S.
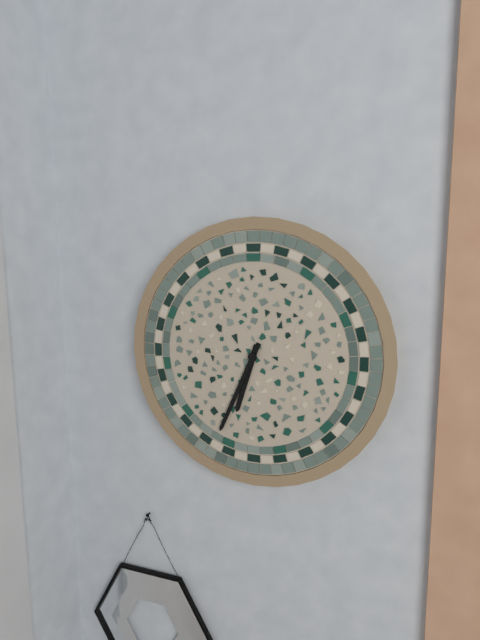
{"hour": 6, "minute": 34}
